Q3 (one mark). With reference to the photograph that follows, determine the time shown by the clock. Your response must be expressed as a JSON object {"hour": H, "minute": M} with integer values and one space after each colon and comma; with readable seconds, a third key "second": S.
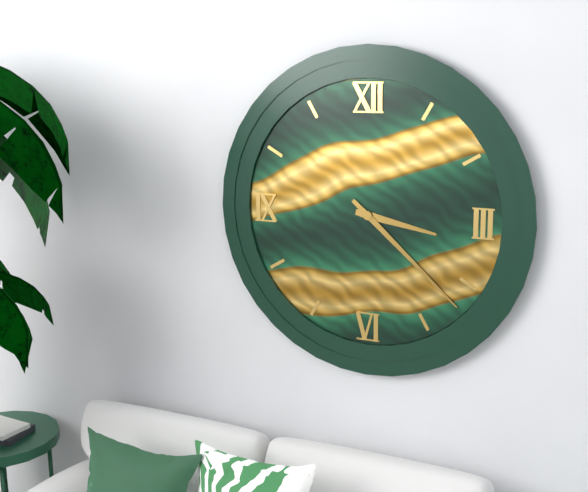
{"hour": 3, "minute": 22}
